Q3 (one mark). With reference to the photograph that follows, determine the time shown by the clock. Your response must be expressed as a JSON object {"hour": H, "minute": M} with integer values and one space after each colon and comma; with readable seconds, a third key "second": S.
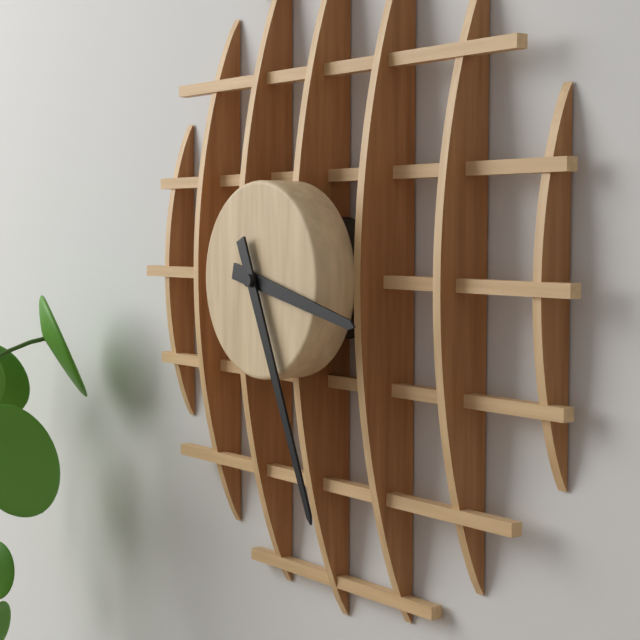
{"hour": 3, "minute": 26}
